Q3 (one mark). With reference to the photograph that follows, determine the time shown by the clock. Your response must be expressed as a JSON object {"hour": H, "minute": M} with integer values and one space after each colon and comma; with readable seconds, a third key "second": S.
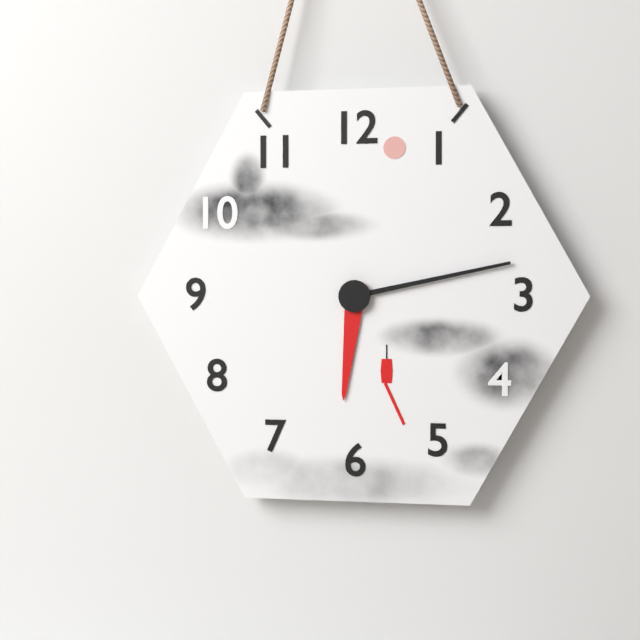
{"hour": 6, "minute": 13}
